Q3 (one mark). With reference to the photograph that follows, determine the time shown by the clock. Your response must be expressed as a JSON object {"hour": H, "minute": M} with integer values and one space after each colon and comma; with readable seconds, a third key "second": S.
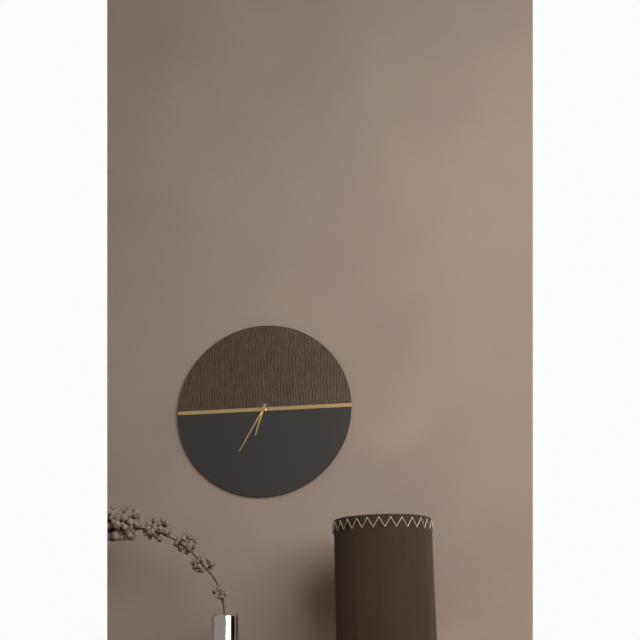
{"hour": 6, "minute": 35}
